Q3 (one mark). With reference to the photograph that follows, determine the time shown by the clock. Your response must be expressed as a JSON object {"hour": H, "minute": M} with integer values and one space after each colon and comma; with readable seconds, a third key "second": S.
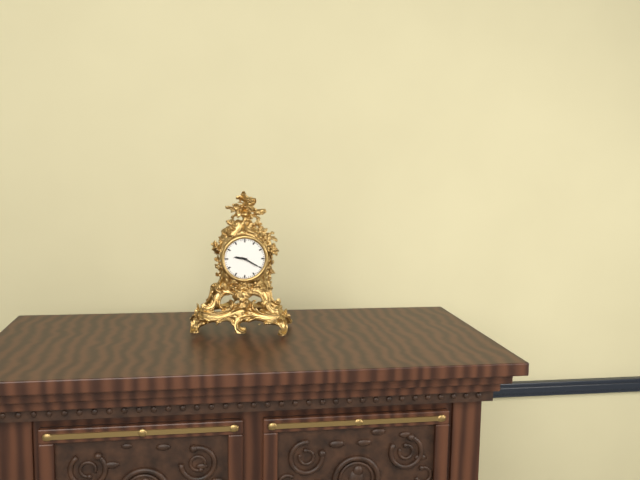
{"hour": 9, "minute": 20}
